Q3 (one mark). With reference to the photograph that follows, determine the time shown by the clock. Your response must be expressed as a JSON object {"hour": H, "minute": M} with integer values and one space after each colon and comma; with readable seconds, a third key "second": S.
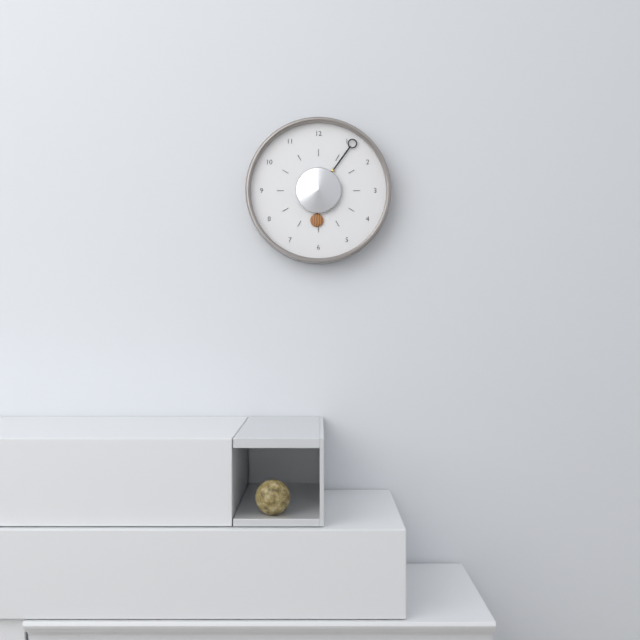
{"hour": 6, "minute": 6}
